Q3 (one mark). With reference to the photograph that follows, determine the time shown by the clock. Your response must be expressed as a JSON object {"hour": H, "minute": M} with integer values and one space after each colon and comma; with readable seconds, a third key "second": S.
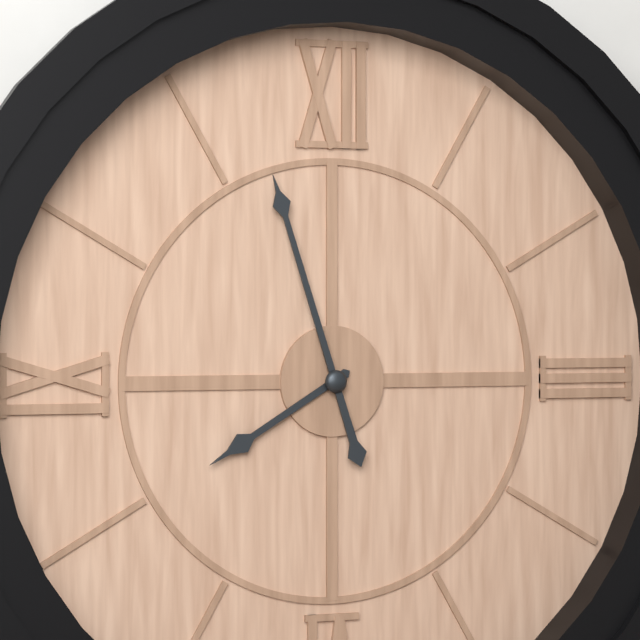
{"hour": 7, "minute": 57}
